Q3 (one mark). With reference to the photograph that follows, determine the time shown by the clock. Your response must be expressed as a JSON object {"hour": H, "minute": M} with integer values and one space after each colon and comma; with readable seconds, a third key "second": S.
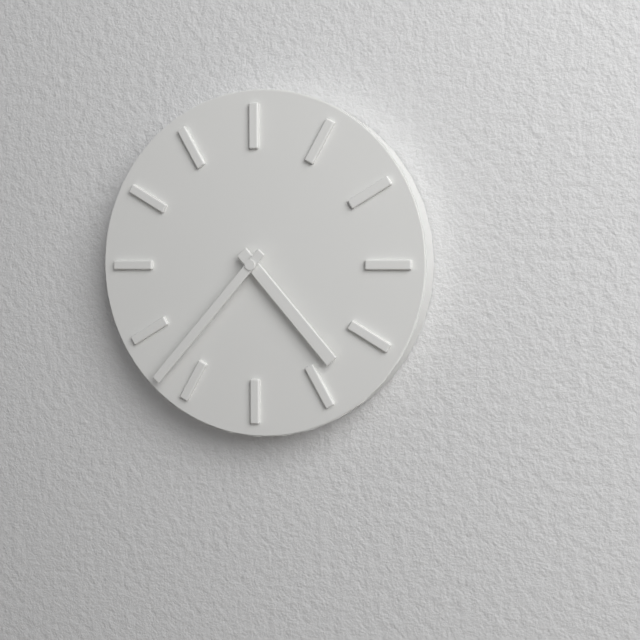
{"hour": 4, "minute": 37}
